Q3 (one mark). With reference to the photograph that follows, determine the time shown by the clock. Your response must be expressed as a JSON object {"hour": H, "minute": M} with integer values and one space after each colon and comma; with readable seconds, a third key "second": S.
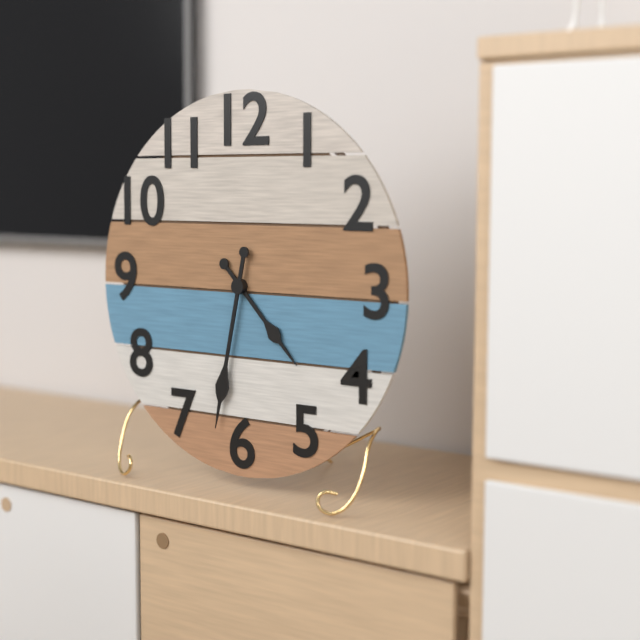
{"hour": 4, "minute": 32}
